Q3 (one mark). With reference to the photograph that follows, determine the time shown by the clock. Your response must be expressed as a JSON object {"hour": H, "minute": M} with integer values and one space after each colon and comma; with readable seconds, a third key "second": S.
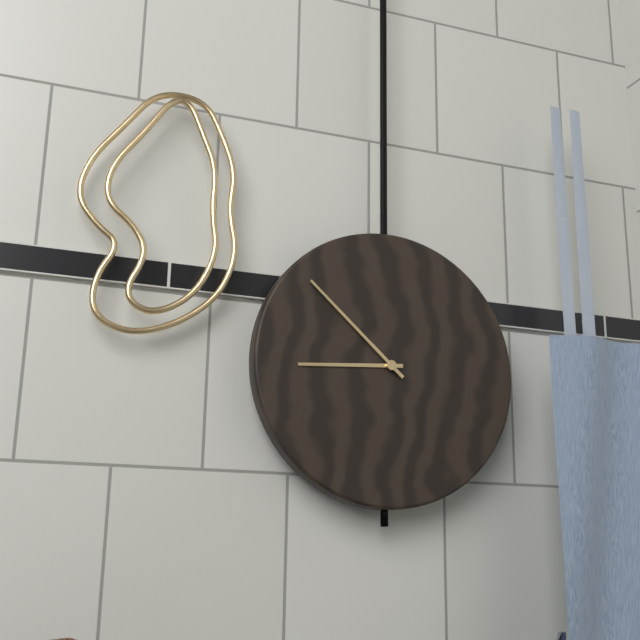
{"hour": 8, "minute": 52}
